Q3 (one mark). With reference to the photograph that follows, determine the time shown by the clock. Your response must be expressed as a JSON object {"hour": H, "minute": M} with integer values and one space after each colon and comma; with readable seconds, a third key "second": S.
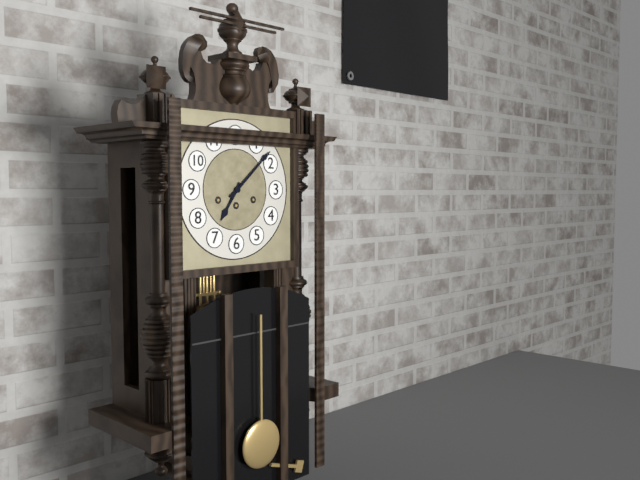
{"hour": 7, "minute": 8}
